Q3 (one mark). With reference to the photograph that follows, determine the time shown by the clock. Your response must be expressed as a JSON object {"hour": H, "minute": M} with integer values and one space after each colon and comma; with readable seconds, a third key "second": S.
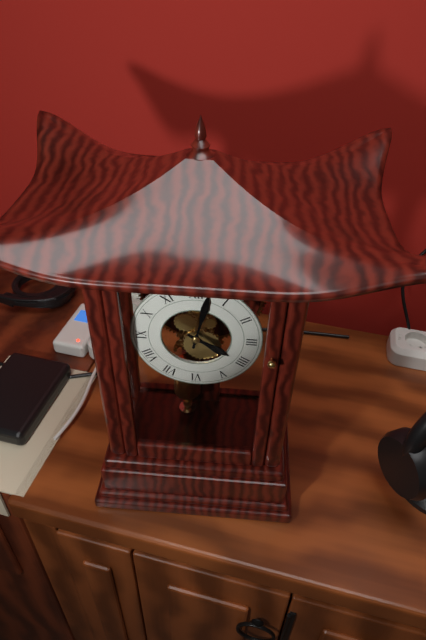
{"hour": 4, "minute": 2}
